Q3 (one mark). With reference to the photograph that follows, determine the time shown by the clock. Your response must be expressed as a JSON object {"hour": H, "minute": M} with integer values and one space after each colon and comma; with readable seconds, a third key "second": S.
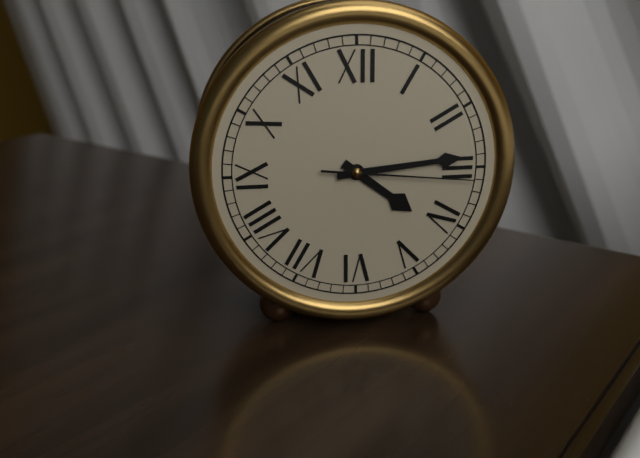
{"hour": 4, "minute": 14, "second": 16}
